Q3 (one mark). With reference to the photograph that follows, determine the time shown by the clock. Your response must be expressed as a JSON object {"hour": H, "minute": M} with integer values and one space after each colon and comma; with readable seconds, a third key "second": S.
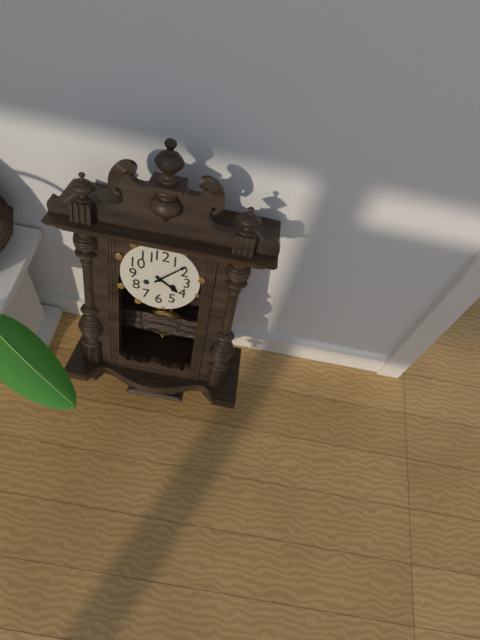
{"hour": 4, "minute": 8}
